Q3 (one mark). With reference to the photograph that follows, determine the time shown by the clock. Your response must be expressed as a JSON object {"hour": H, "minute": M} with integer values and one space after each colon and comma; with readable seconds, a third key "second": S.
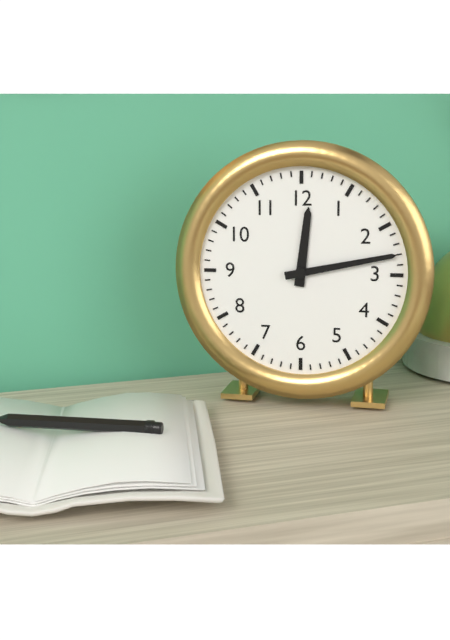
{"hour": 12, "minute": 13}
